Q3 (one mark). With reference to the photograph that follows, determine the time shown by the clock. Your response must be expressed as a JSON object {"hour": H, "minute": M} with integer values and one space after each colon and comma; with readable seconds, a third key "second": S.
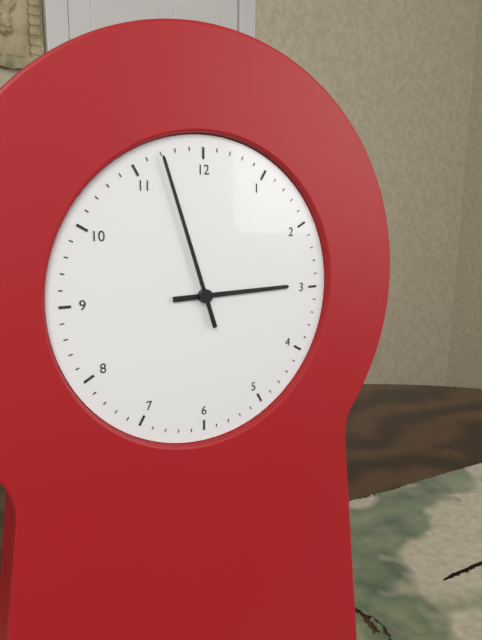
{"hour": 2, "minute": 57}
